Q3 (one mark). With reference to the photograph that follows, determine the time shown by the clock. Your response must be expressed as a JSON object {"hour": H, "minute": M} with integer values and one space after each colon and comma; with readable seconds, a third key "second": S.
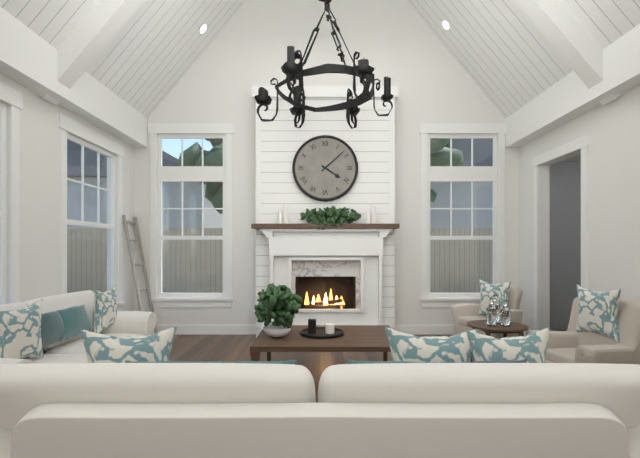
{"hour": 4, "minute": 8}
